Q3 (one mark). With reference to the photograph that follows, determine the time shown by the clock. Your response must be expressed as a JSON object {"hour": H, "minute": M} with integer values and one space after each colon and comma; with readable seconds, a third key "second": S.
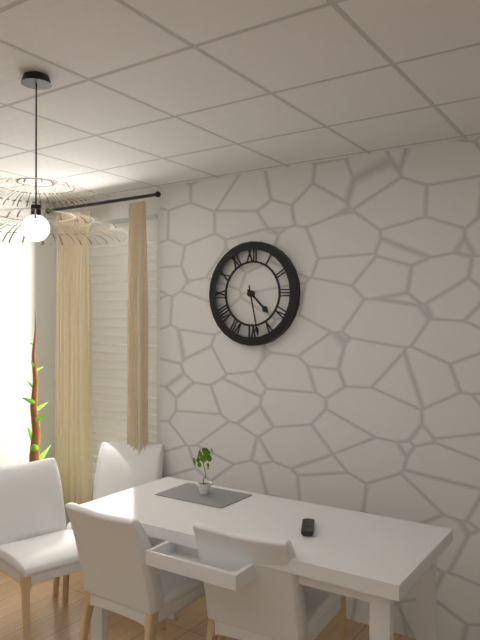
{"hour": 4, "minute": 28}
